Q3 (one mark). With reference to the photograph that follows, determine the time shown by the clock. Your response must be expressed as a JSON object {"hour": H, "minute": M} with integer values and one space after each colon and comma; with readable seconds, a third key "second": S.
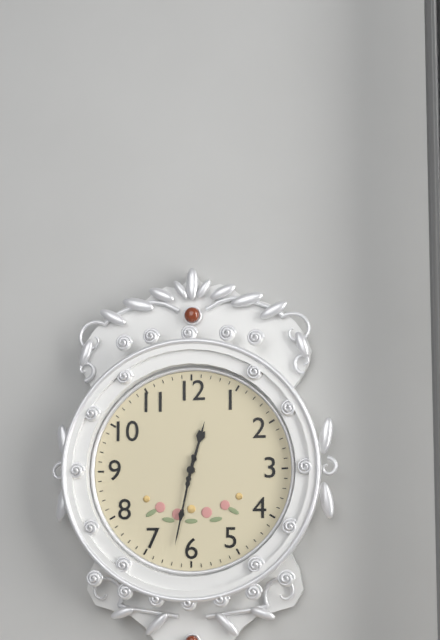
{"hour": 12, "minute": 32}
